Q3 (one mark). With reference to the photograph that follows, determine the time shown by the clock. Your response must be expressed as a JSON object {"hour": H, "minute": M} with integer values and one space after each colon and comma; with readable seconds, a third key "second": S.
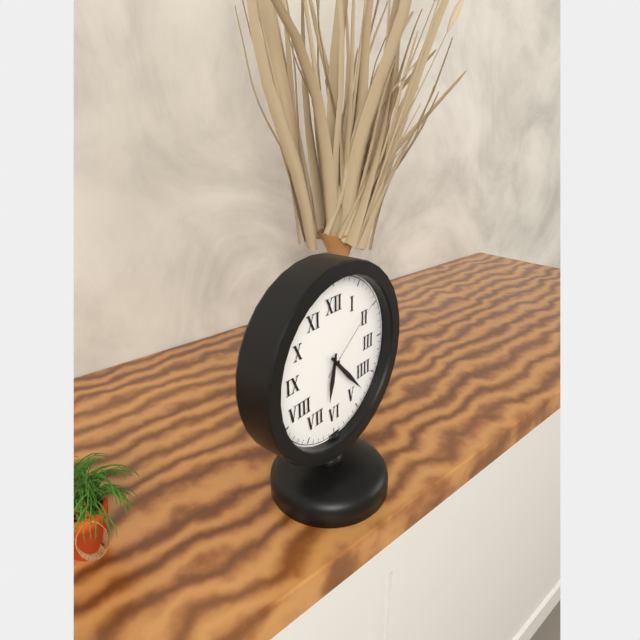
{"hour": 6, "minute": 23, "second": 9}
